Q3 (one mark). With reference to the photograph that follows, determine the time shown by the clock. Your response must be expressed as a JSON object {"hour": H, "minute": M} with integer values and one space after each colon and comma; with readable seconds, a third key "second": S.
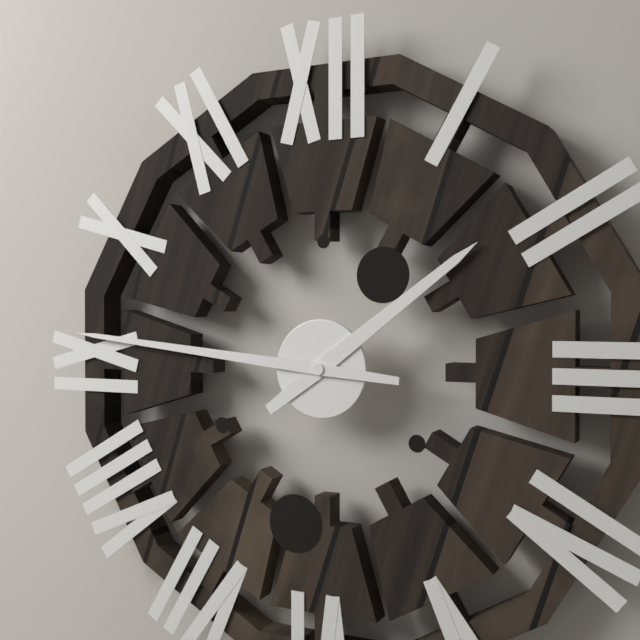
{"hour": 1, "minute": 46}
